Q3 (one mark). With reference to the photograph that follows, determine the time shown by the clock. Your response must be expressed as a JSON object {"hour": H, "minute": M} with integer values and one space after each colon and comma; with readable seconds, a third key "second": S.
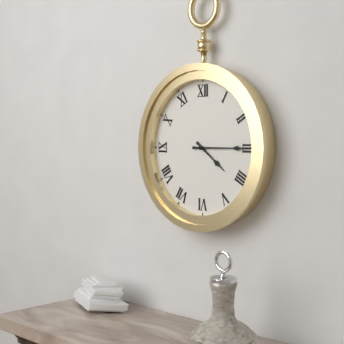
{"hour": 4, "minute": 15}
